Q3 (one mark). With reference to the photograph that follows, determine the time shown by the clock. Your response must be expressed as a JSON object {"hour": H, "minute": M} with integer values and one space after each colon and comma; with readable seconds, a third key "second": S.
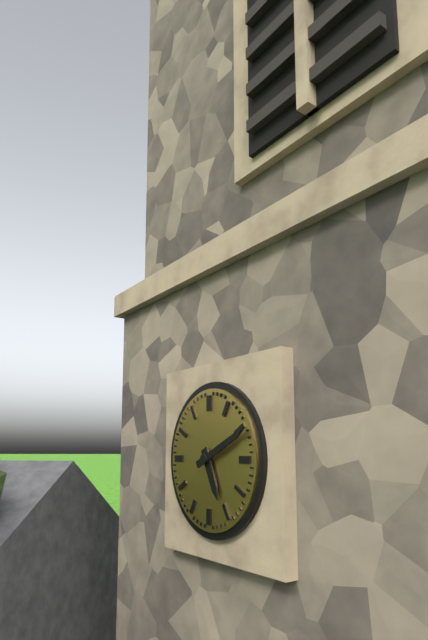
{"hour": 5, "minute": 11}
